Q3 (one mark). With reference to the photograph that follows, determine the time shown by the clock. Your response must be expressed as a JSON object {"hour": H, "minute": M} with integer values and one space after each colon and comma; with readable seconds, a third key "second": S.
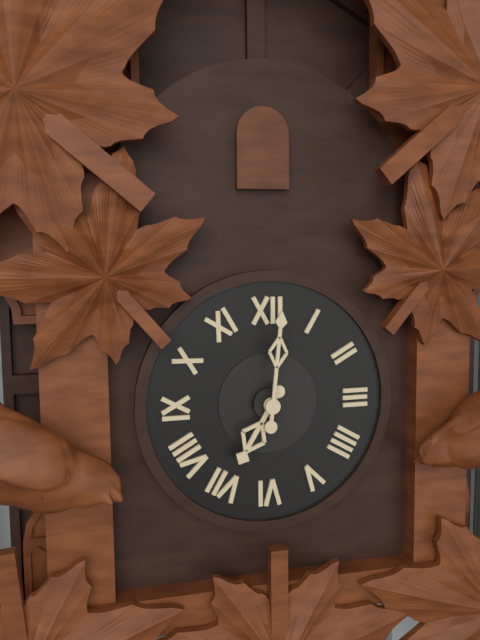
{"hour": 7, "minute": 1}
